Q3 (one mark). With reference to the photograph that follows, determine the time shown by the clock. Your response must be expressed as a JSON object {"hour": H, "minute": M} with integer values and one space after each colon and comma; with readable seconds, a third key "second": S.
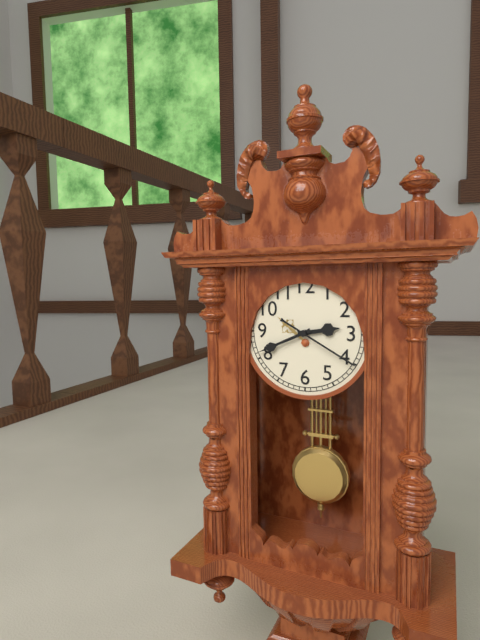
{"hour": 2, "minute": 41, "second": 20}
